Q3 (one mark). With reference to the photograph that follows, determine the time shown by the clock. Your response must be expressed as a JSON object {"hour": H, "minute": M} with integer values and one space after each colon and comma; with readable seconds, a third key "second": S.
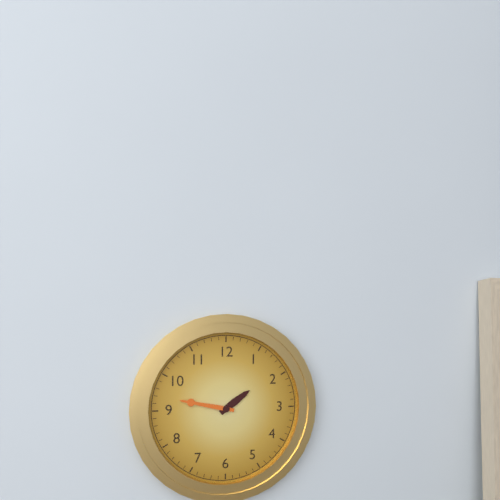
{"hour": 1, "minute": 47}
